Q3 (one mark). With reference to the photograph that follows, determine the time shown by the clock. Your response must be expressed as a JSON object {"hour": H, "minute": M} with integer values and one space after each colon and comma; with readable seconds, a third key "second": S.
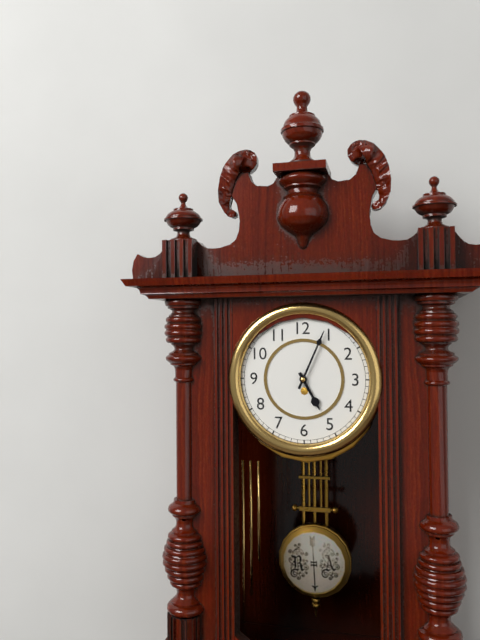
{"hour": 5, "minute": 4}
